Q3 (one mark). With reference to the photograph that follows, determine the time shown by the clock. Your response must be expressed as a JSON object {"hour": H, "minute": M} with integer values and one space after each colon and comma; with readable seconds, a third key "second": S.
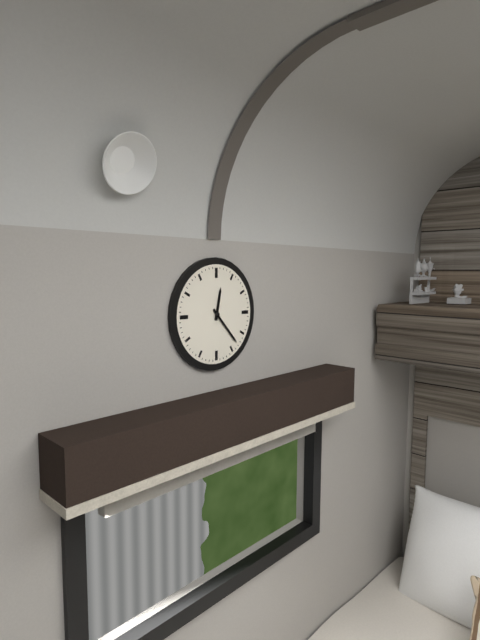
{"hour": 12, "minute": 23}
